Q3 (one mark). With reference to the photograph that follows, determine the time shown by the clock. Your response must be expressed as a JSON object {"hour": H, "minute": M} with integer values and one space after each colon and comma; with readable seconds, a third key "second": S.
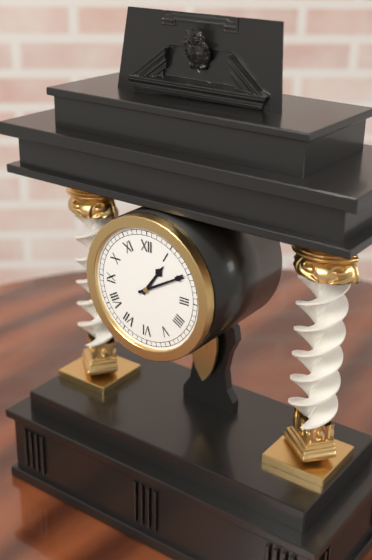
{"hour": 1, "minute": 10}
